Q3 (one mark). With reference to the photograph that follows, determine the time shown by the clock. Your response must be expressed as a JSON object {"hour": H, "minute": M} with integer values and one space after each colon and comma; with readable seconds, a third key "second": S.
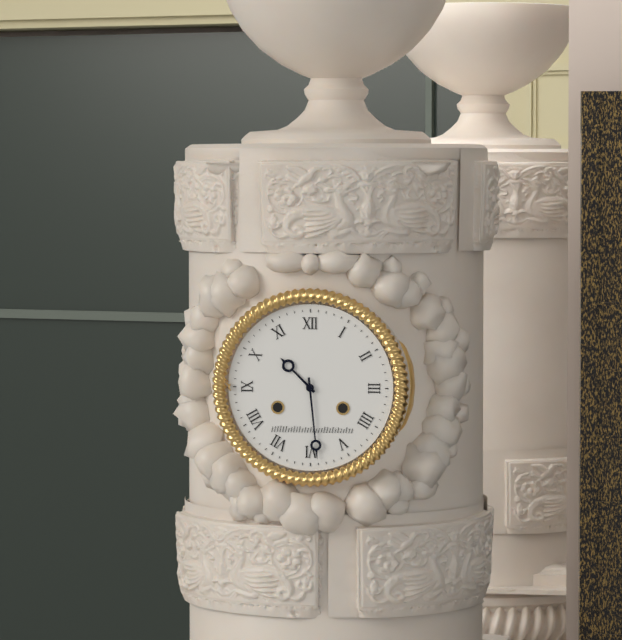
{"hour": 10, "minute": 29}
